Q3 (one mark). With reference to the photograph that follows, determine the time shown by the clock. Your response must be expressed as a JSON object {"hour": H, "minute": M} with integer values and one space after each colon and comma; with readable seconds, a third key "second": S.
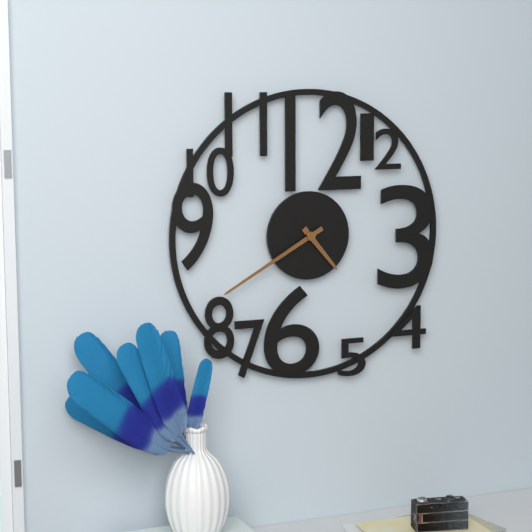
{"hour": 4, "minute": 40}
